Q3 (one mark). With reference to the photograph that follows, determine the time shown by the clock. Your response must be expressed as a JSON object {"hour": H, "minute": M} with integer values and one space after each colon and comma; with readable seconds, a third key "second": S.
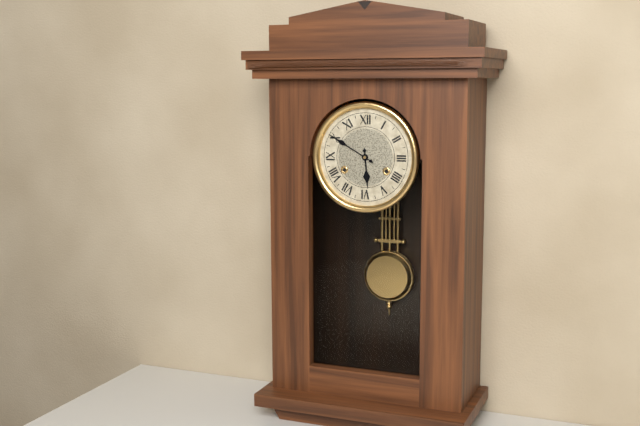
{"hour": 5, "minute": 50}
